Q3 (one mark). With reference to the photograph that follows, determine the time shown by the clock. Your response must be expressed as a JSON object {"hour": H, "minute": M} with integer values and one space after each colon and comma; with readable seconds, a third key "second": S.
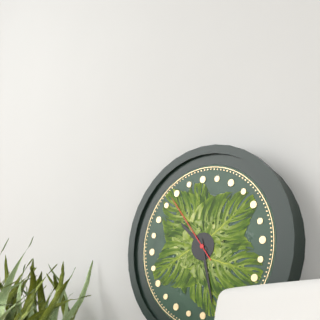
{"hour": 10, "minute": 28, "second": 54}
